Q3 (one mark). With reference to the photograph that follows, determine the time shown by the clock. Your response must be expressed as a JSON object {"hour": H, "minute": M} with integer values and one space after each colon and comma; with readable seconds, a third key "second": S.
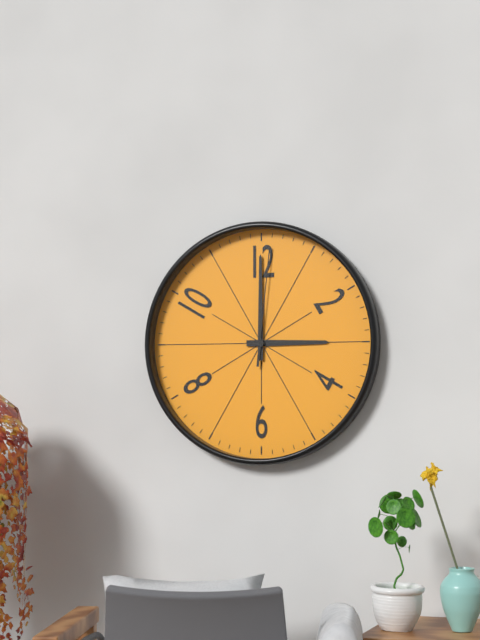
{"hour": 3, "minute": 0, "second": 1}
